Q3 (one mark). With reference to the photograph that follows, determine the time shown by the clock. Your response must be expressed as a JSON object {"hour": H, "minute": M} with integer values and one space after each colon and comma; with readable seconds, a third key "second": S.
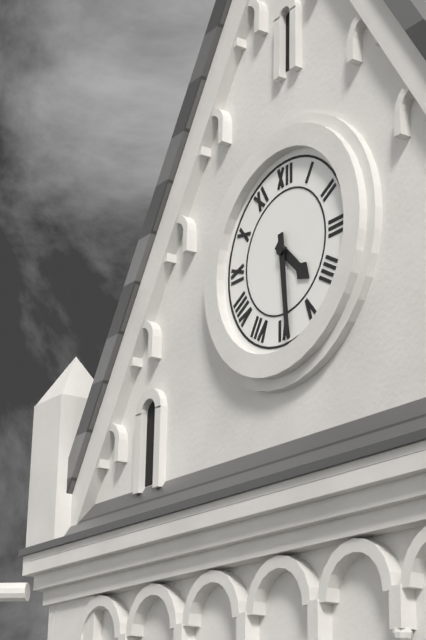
{"hour": 4, "minute": 29}
